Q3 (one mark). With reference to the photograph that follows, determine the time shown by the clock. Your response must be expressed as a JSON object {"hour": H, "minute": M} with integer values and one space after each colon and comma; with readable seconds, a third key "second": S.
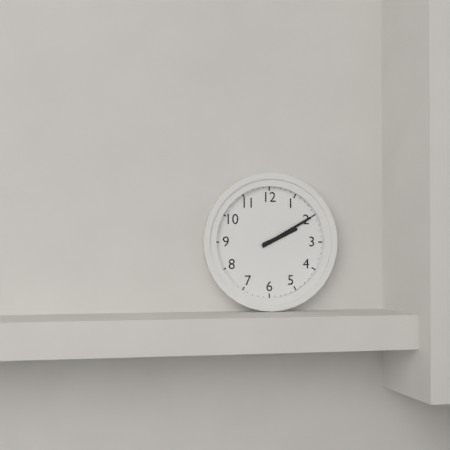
{"hour": 2, "minute": 10}
